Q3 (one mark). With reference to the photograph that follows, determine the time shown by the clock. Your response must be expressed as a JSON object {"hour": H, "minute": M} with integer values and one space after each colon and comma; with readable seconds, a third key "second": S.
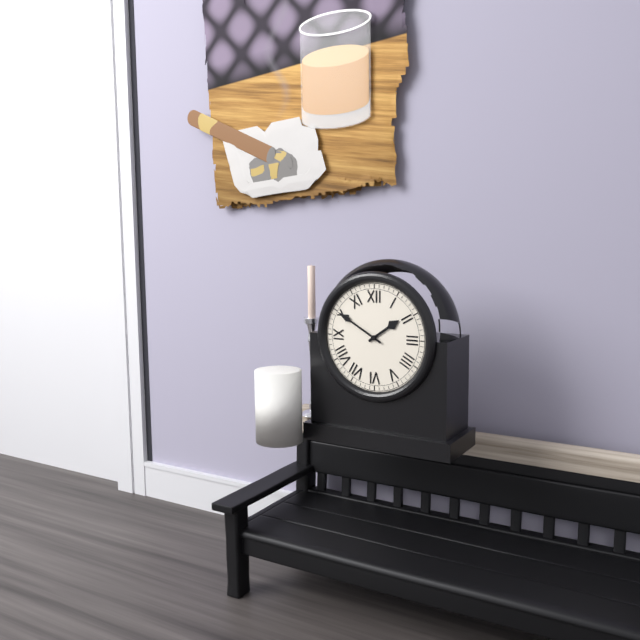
{"hour": 1, "minute": 50}
